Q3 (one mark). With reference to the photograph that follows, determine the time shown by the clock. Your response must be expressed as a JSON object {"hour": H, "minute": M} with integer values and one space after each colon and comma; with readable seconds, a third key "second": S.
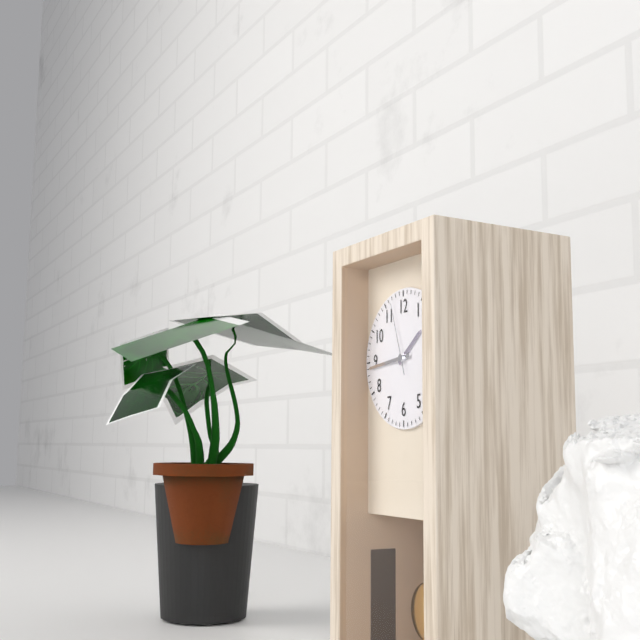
{"hour": 1, "minute": 44, "second": 57}
